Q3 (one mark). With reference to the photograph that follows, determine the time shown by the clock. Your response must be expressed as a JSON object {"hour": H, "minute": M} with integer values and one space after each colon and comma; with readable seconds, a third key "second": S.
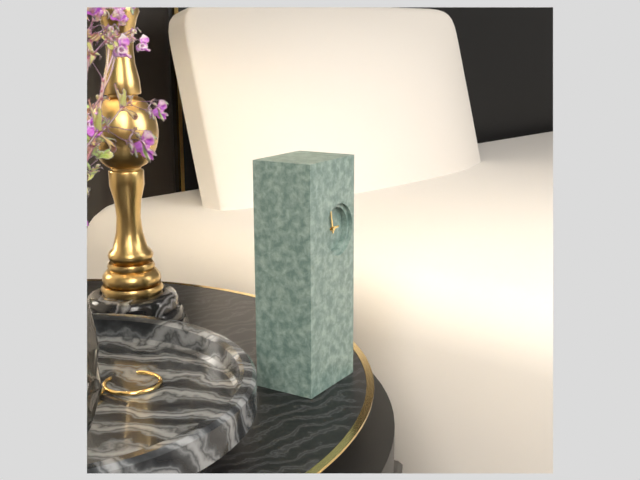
{"hour": 2, "minute": 58}
